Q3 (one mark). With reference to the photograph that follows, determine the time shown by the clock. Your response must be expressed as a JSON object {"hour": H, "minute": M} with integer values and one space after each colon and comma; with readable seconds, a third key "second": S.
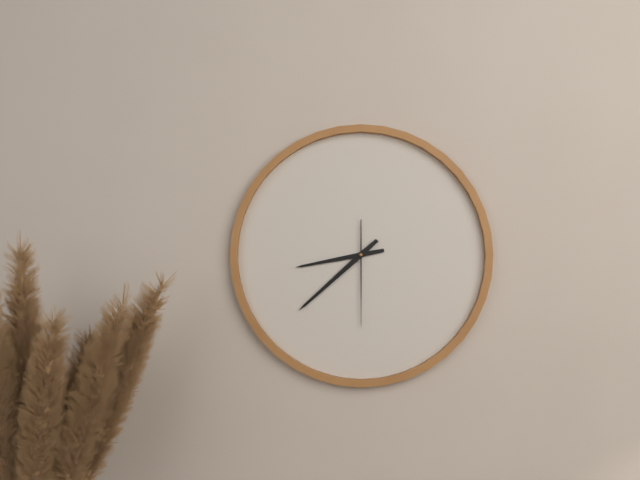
{"hour": 8, "minute": 38, "second": 30}
